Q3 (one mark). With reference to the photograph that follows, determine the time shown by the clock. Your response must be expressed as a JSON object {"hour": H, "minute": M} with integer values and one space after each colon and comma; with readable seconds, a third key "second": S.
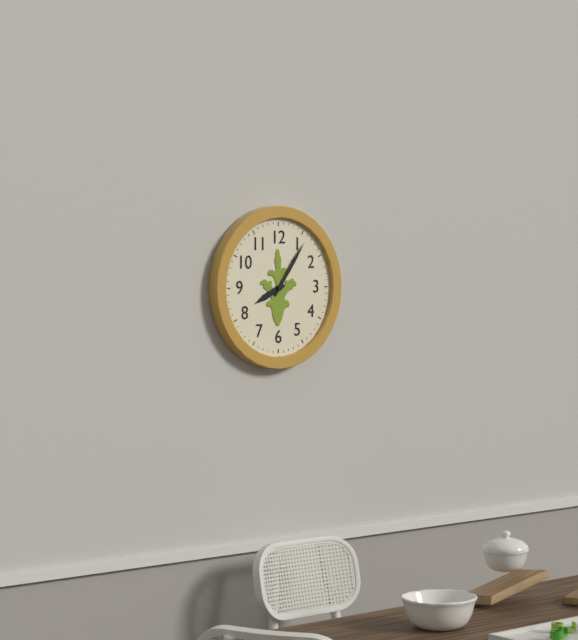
{"hour": 8, "minute": 6}
